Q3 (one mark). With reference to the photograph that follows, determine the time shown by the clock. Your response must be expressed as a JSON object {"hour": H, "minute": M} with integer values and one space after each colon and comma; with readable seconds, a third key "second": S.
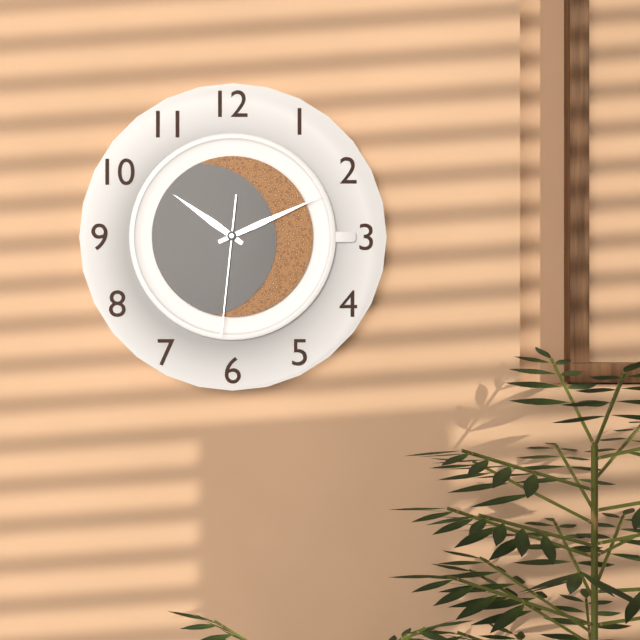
{"hour": 10, "minute": 11, "second": 31}
